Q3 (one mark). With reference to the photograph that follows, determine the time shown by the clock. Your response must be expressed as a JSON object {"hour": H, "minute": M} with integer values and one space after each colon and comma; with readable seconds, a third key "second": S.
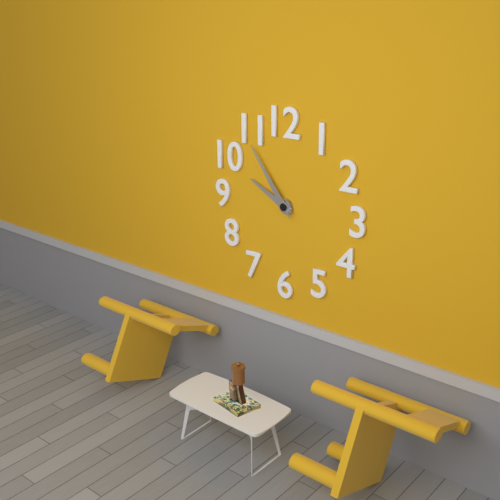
{"hour": 9, "minute": 54}
